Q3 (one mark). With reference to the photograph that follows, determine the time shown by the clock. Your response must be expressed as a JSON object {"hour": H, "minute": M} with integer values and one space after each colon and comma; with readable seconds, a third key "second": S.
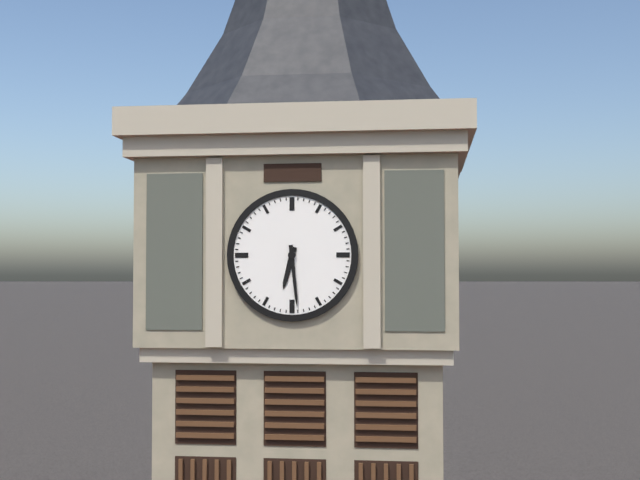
{"hour": 6, "minute": 29}
